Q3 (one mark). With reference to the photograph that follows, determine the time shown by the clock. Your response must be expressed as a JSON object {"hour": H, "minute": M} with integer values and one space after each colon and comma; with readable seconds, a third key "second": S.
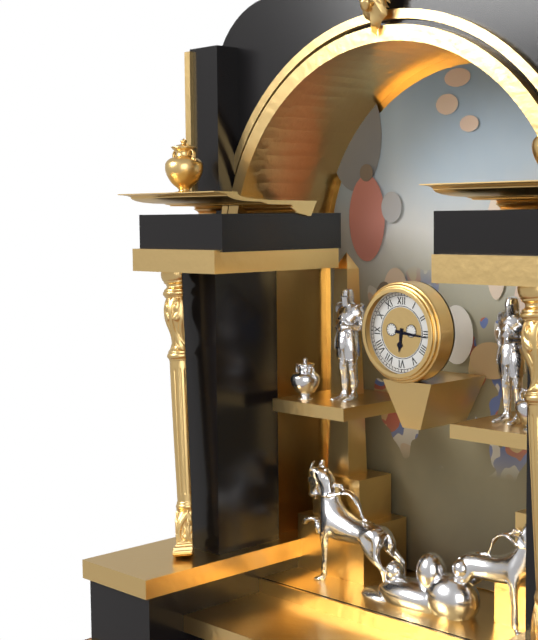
{"hour": 6, "minute": 16}
